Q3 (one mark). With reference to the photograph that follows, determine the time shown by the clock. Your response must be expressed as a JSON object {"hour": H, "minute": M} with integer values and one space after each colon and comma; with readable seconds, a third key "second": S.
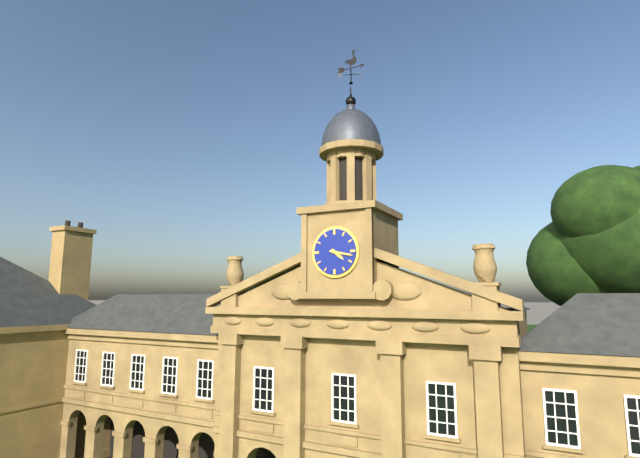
{"hour": 4, "minute": 17}
